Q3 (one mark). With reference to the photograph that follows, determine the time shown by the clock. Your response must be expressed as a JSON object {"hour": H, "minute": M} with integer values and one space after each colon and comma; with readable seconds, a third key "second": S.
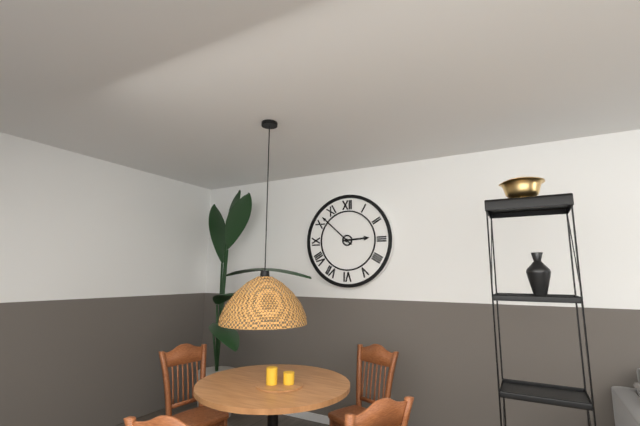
{"hour": 2, "minute": 52}
